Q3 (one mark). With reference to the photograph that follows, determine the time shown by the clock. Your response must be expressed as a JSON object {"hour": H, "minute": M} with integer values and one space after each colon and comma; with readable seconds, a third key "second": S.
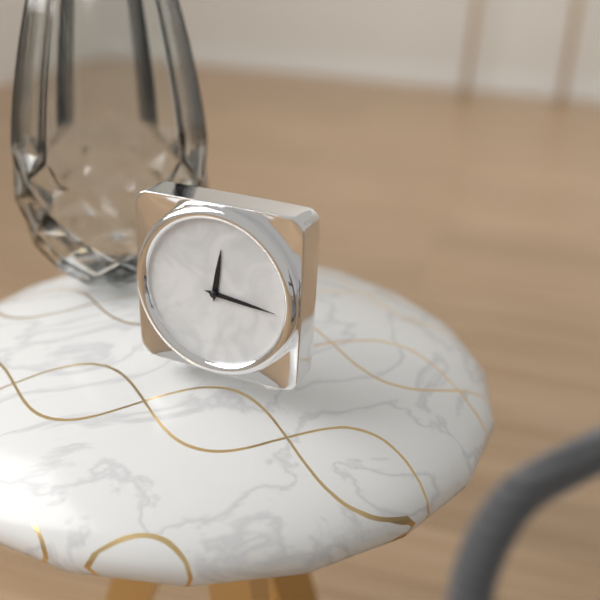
{"hour": 12, "minute": 16}
